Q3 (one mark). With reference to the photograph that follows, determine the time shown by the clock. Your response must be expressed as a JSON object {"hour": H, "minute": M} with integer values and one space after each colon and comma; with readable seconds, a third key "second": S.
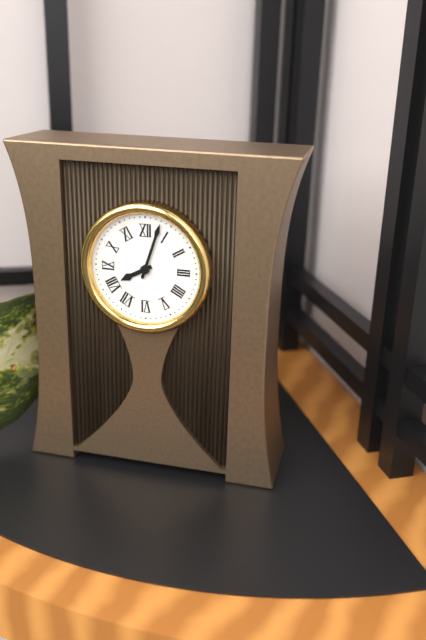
{"hour": 8, "minute": 3}
